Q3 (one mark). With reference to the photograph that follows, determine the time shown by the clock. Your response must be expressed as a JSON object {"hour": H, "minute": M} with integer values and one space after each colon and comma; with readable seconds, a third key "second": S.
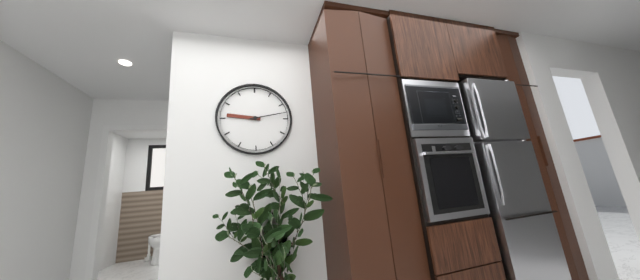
{"hour": 9, "minute": 13}
